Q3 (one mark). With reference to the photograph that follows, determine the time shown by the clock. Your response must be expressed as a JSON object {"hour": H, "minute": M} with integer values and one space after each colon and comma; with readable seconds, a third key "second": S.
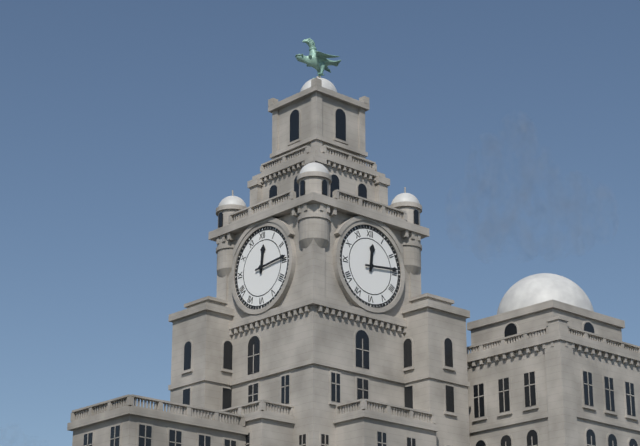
{"hour": 12, "minute": 14}
